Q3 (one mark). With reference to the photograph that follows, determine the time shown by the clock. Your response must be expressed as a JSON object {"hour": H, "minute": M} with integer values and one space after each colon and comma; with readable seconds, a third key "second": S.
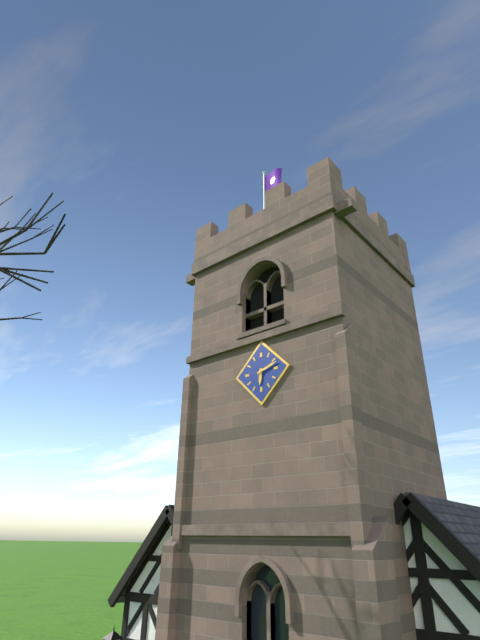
{"hour": 6, "minute": 12}
